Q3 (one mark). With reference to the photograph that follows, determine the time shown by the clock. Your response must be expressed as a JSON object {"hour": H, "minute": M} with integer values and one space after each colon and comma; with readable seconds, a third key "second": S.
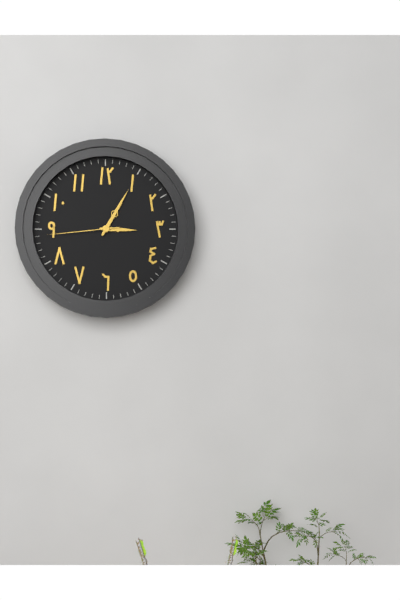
{"hour": 3, "minute": 5, "second": 44}
